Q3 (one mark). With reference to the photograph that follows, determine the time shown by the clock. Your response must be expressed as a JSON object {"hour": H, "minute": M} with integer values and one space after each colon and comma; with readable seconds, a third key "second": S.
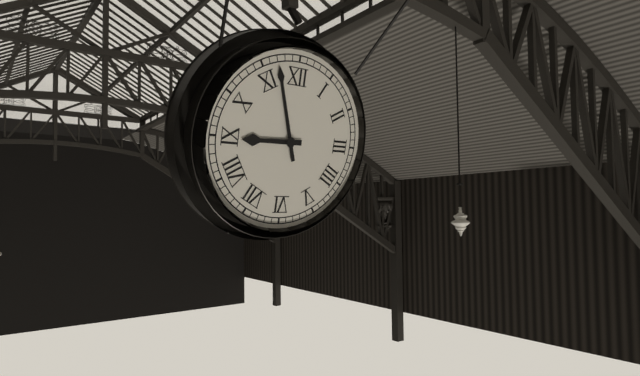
{"hour": 8, "minute": 57}
